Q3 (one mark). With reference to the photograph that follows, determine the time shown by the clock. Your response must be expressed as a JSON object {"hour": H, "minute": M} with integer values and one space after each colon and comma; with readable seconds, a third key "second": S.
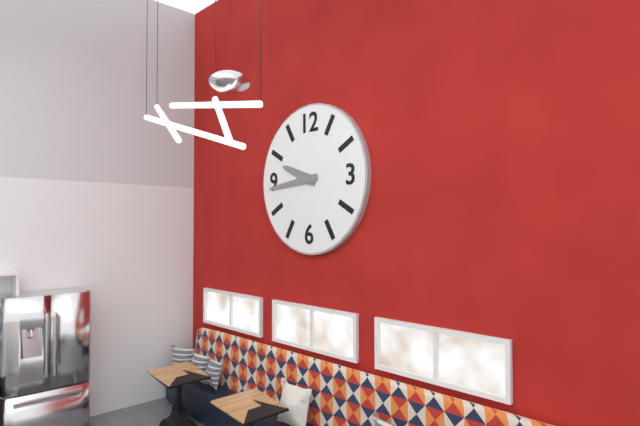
{"hour": 9, "minute": 44}
